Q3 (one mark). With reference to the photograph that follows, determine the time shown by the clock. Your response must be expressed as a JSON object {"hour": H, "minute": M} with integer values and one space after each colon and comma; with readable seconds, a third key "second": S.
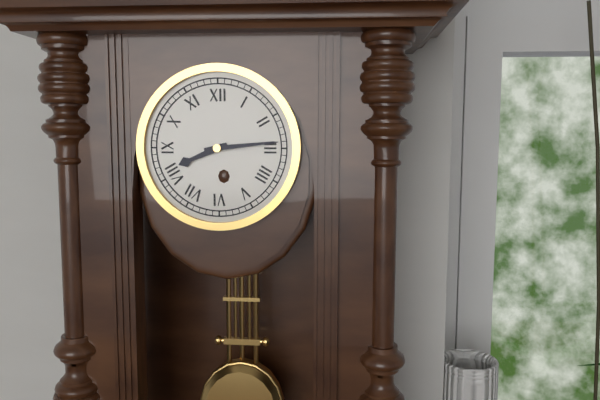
{"hour": 8, "minute": 14}
